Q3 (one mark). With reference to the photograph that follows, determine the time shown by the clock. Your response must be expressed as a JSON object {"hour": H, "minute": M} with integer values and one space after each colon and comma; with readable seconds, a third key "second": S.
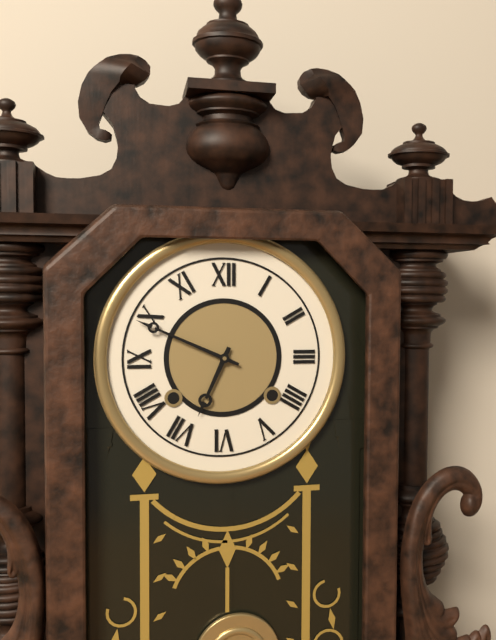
{"hour": 6, "minute": 49}
